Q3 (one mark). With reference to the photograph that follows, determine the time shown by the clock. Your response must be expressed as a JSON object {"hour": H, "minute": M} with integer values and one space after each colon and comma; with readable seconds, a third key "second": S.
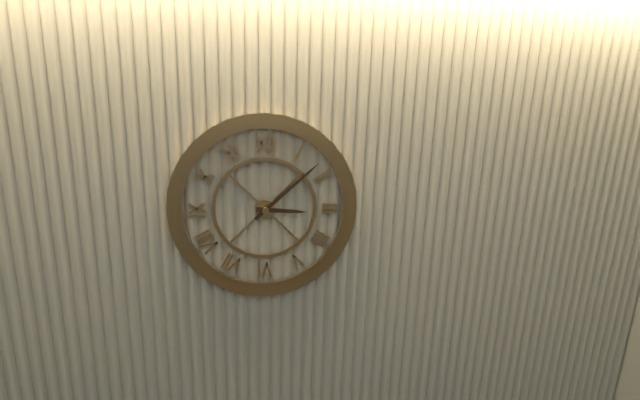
{"hour": 3, "minute": 8}
